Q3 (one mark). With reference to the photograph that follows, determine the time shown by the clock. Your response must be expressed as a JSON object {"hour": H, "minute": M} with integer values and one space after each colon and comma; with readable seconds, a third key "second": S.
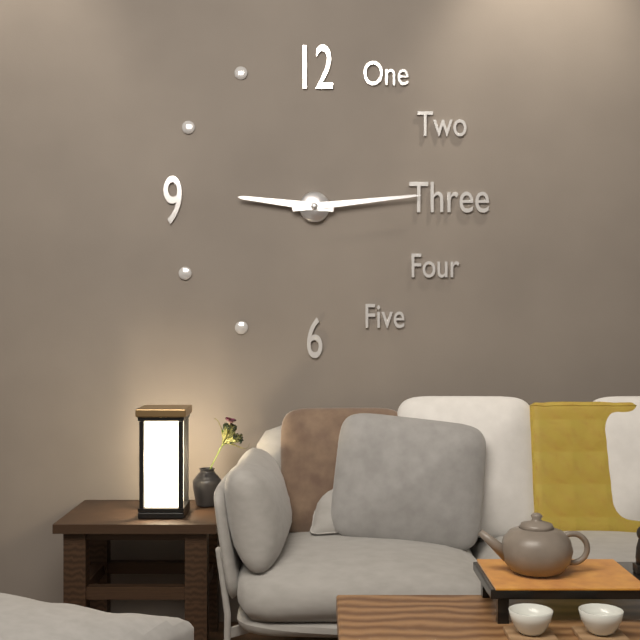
{"hour": 9, "minute": 14}
